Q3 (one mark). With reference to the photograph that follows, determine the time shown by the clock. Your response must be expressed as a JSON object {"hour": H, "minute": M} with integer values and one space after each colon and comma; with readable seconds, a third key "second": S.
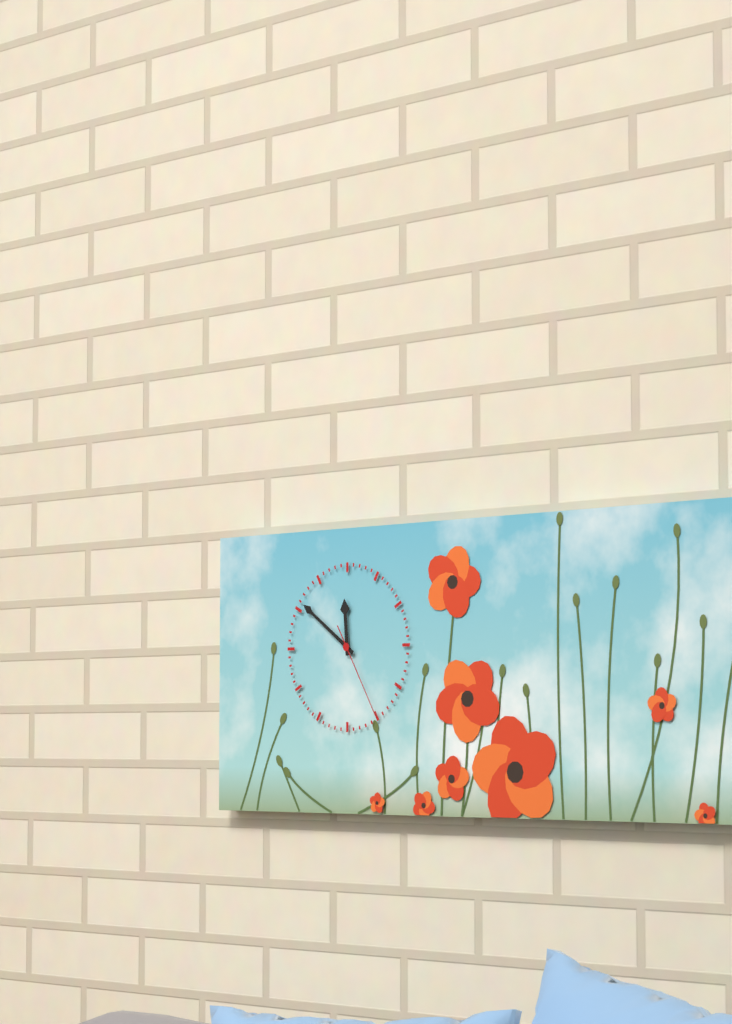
{"hour": 11, "minute": 51, "second": 25}
